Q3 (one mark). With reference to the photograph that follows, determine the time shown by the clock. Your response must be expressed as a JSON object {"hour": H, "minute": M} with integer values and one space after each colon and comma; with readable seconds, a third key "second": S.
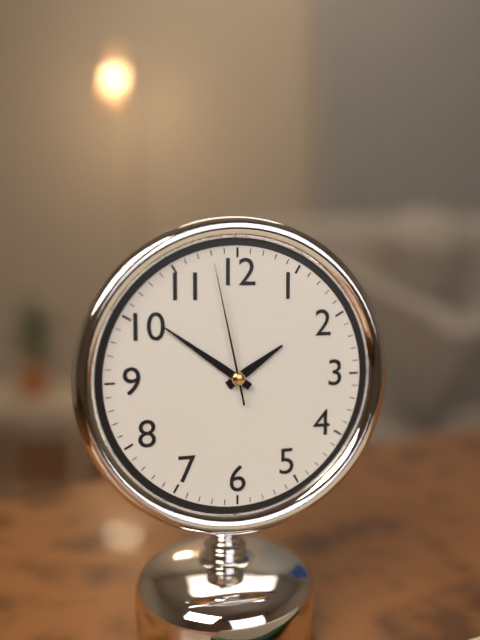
{"hour": 1, "minute": 51, "second": 58}
